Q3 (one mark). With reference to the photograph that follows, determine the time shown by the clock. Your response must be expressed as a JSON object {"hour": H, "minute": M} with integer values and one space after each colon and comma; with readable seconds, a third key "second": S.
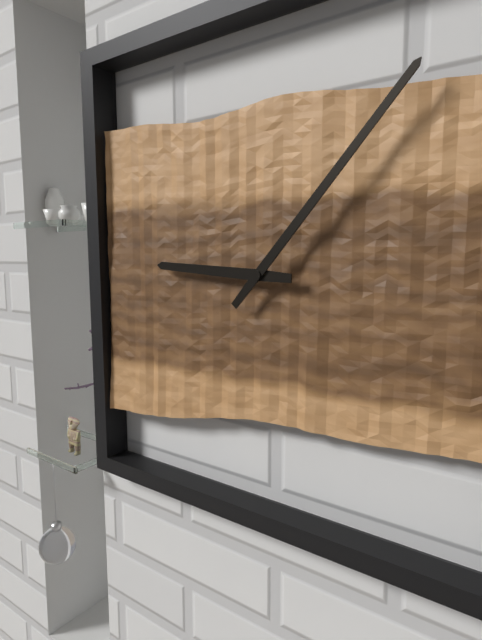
{"hour": 9, "minute": 7}
